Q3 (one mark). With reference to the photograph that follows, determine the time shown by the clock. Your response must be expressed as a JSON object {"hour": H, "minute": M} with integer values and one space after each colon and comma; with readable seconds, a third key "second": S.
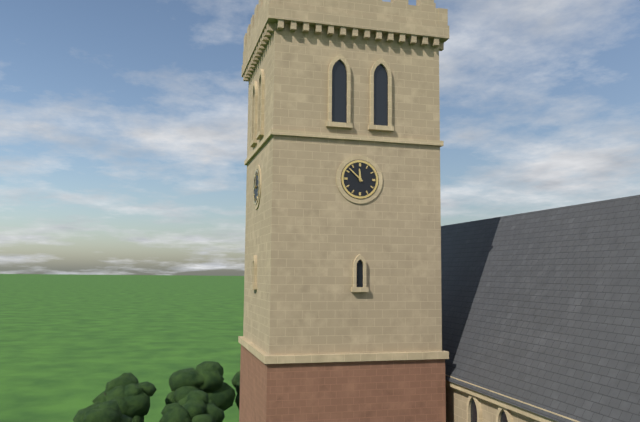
{"hour": 11, "minute": 52}
